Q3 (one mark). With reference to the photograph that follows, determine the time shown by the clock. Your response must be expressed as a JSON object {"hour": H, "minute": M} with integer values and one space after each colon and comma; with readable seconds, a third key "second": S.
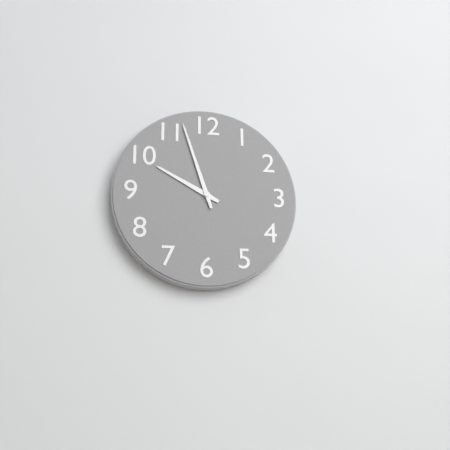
{"hour": 9, "minute": 57}
